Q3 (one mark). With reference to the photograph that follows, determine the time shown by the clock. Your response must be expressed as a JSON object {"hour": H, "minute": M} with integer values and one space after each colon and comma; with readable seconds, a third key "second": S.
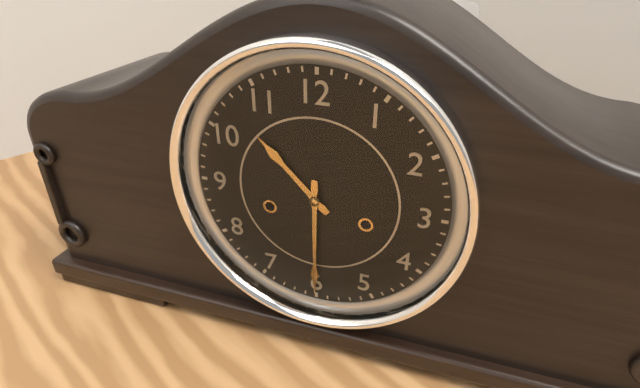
{"hour": 10, "minute": 30}
